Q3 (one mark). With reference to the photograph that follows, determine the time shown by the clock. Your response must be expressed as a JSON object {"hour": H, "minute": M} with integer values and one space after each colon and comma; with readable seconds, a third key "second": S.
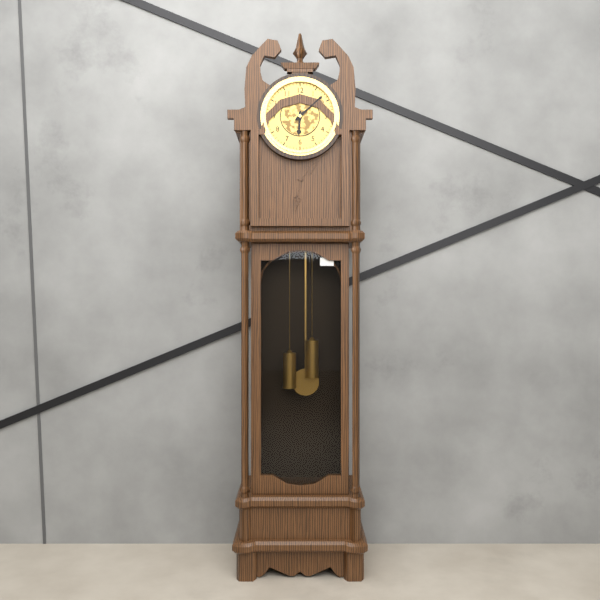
{"hour": 6, "minute": 8}
